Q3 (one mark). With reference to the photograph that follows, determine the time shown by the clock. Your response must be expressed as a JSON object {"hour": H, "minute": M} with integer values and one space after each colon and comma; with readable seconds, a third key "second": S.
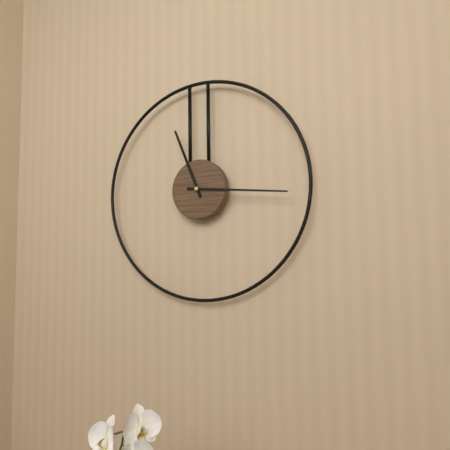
{"hour": 11, "minute": 16}
